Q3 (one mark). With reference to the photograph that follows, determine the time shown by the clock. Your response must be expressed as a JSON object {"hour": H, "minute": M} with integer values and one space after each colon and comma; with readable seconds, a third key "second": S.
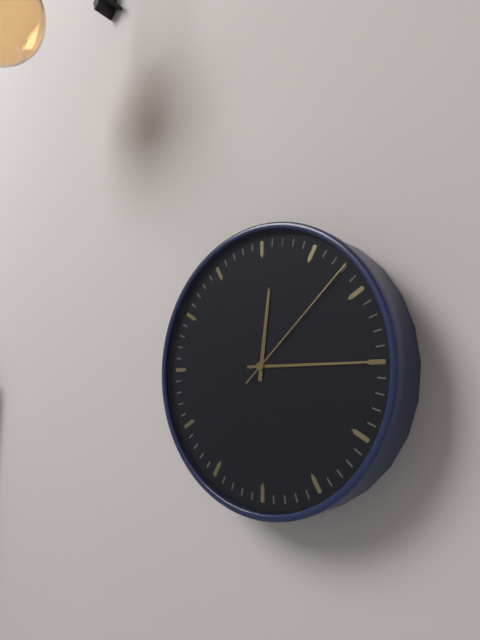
{"hour": 12, "minute": 15, "second": 8}
